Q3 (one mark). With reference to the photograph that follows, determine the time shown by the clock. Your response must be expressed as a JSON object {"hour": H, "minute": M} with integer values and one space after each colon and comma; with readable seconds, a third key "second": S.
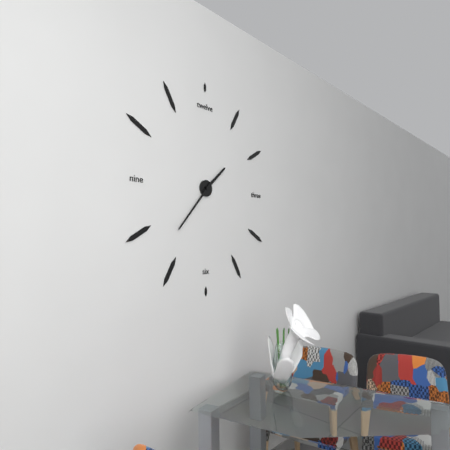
{"hour": 1, "minute": 37}
